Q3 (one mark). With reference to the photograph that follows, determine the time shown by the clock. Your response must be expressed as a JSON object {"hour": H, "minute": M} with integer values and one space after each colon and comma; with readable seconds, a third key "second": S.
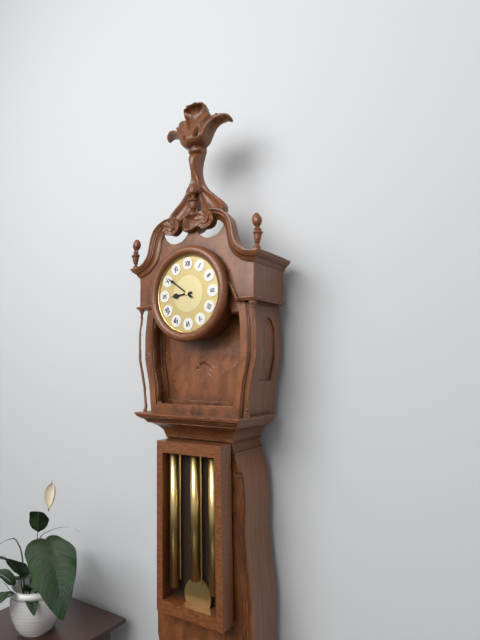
{"hour": 8, "minute": 51}
